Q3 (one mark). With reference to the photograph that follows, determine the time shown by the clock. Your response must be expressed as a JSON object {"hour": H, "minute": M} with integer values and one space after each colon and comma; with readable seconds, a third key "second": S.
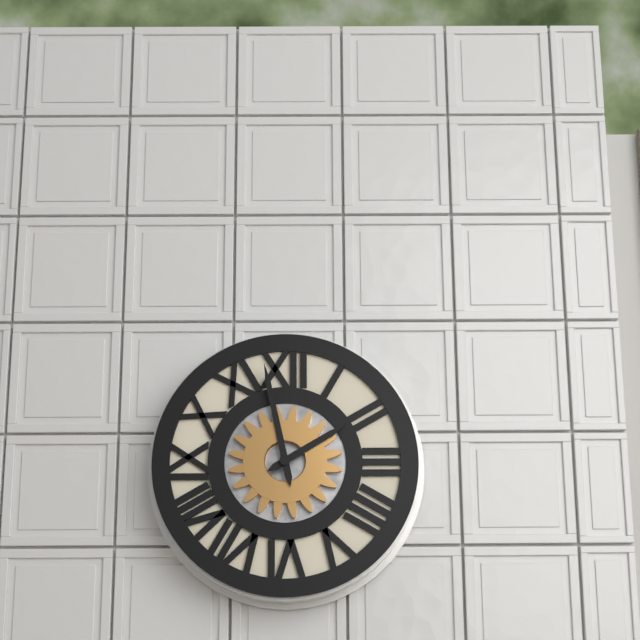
{"hour": 1, "minute": 58}
